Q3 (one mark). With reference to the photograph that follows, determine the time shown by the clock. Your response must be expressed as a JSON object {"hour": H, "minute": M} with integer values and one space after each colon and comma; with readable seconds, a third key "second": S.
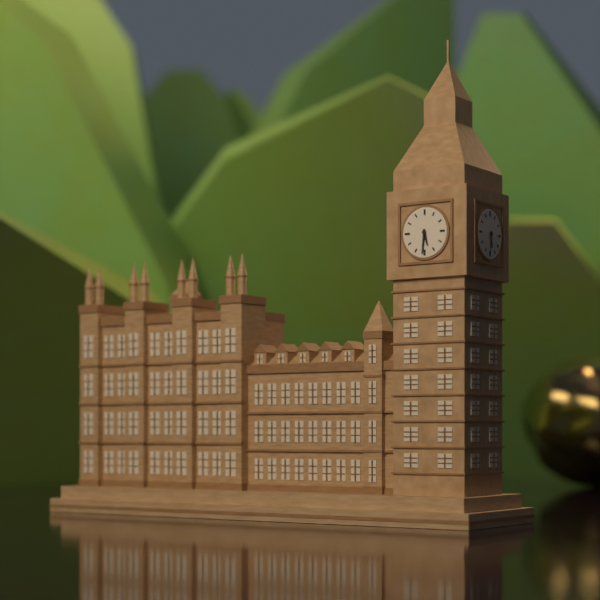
{"hour": 5, "minute": 31}
